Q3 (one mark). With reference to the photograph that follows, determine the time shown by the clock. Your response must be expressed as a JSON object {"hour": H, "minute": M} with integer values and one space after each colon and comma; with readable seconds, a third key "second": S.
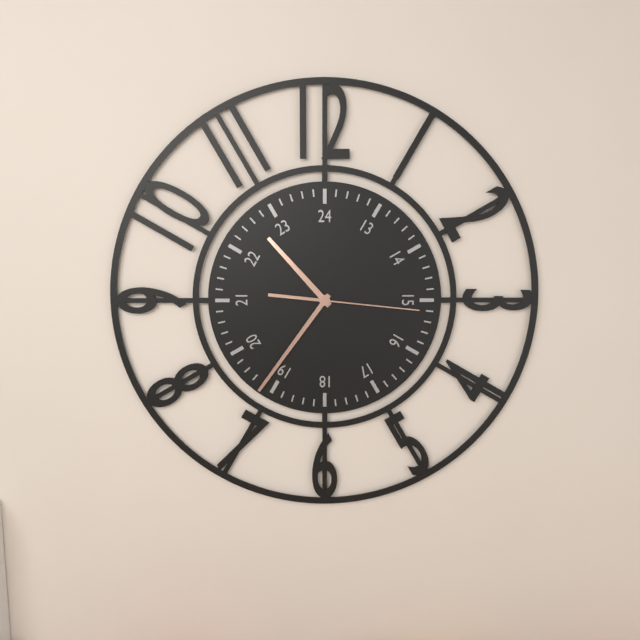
{"hour": 10, "minute": 36, "second": 16}
